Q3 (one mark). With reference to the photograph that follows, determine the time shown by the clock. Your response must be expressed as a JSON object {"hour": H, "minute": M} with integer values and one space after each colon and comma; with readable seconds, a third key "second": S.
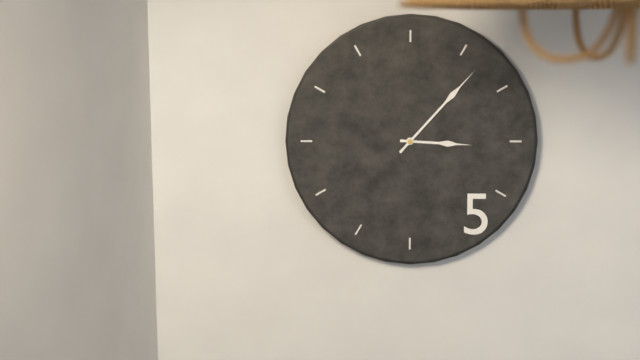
{"hour": 3, "minute": 7}
